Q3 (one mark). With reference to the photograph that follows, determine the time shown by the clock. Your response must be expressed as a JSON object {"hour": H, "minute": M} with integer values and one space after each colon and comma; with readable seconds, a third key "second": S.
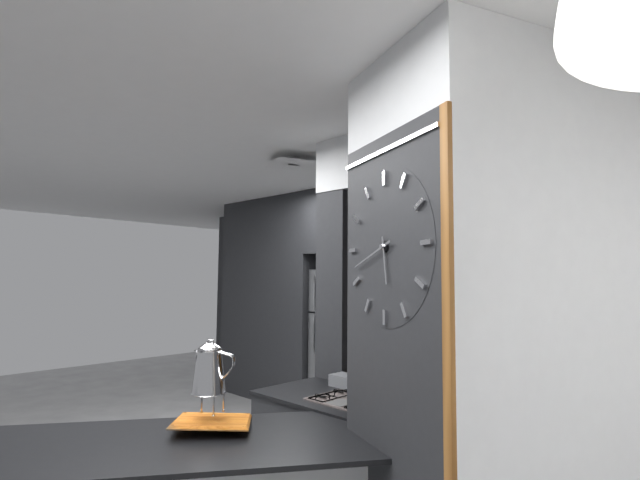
{"hour": 5, "minute": 42}
